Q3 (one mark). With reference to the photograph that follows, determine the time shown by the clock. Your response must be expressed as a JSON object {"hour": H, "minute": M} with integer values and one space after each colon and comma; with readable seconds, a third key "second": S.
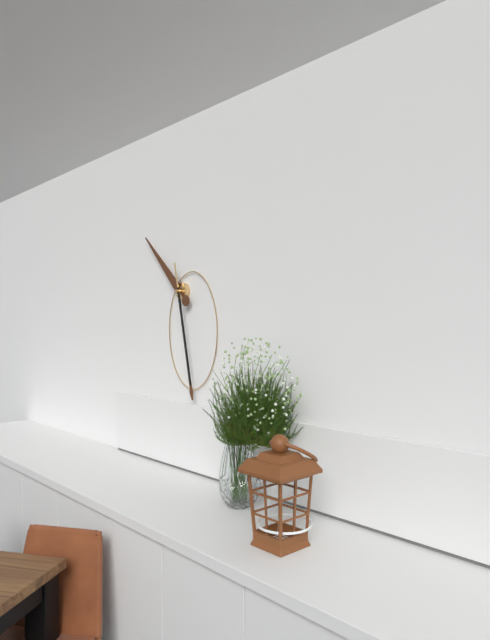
{"hour": 10, "minute": 28}
